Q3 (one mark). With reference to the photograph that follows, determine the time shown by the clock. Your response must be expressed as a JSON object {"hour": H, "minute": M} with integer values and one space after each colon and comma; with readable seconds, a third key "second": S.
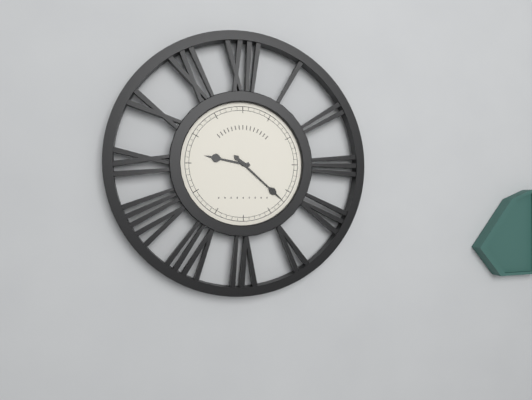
{"hour": 9, "minute": 22}
